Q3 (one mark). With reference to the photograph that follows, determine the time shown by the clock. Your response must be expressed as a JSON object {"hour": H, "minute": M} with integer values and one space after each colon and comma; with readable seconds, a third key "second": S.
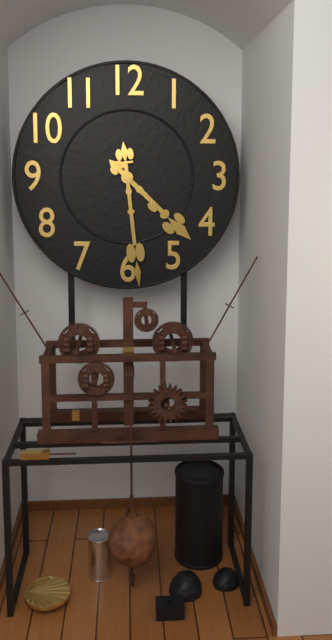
{"hour": 4, "minute": 29}
